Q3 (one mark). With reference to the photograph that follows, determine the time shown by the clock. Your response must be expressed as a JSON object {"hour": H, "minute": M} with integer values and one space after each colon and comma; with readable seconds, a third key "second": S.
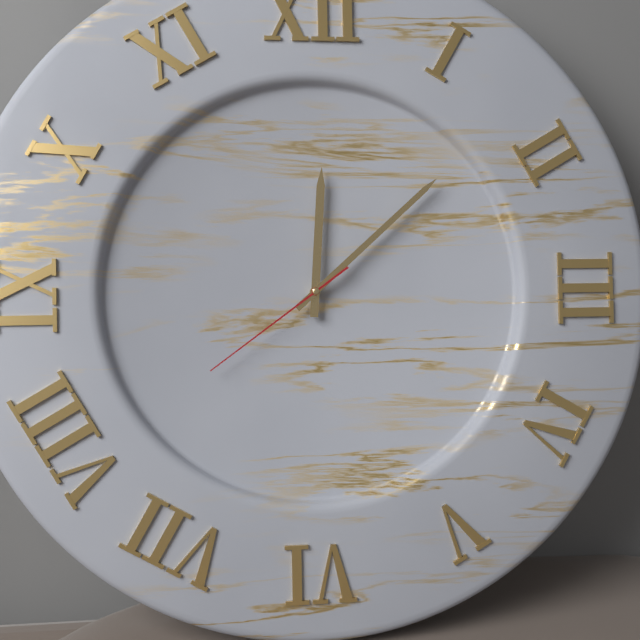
{"hour": 12, "minute": 8, "second": 39}
